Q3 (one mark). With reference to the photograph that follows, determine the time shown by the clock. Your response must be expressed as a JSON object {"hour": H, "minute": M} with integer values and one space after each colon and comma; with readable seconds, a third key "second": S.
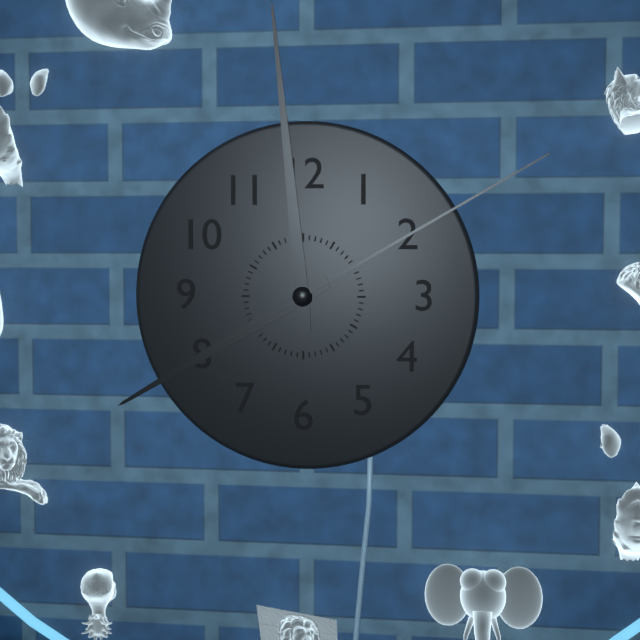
{"hour": 7, "minute": 59, "second": 10}
